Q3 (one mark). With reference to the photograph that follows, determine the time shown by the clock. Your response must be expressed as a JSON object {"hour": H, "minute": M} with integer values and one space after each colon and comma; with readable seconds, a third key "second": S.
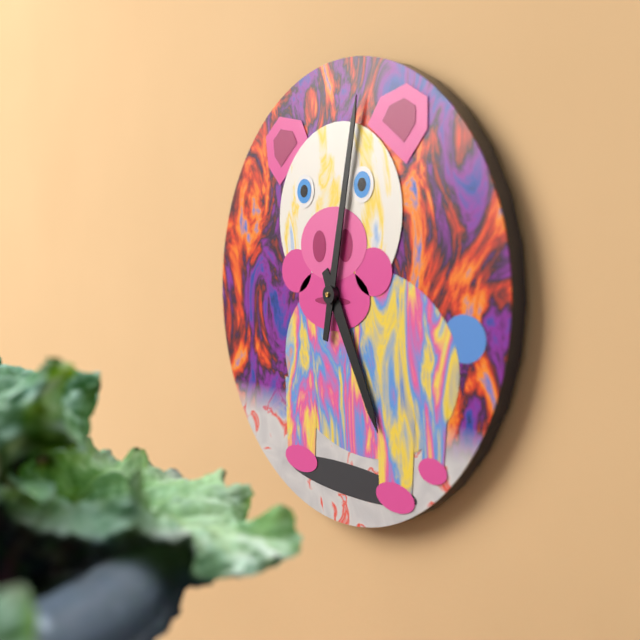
{"hour": 5, "minute": 2}
